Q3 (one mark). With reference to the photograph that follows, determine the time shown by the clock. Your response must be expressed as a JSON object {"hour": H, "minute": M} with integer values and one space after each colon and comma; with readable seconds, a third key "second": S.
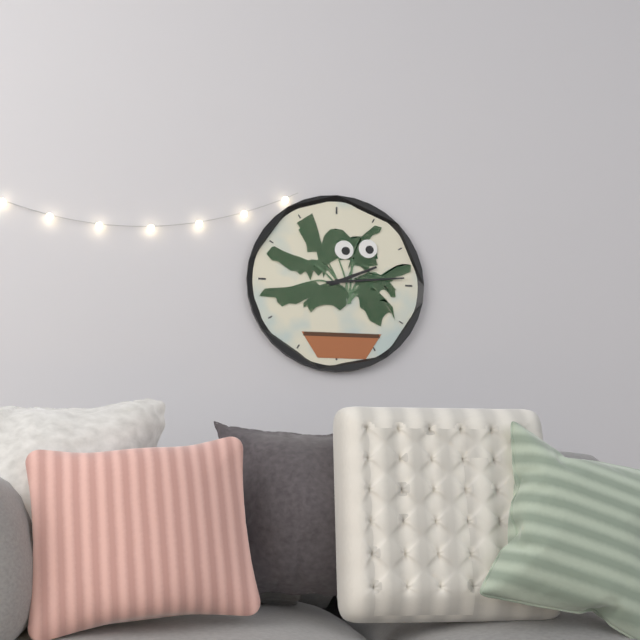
{"hour": 2, "minute": 14}
